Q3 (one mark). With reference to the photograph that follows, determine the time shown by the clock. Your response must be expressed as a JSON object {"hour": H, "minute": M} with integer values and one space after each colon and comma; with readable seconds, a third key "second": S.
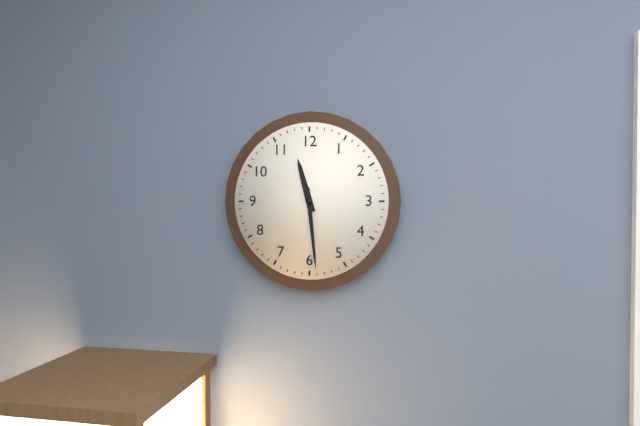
{"hour": 11, "minute": 29}
